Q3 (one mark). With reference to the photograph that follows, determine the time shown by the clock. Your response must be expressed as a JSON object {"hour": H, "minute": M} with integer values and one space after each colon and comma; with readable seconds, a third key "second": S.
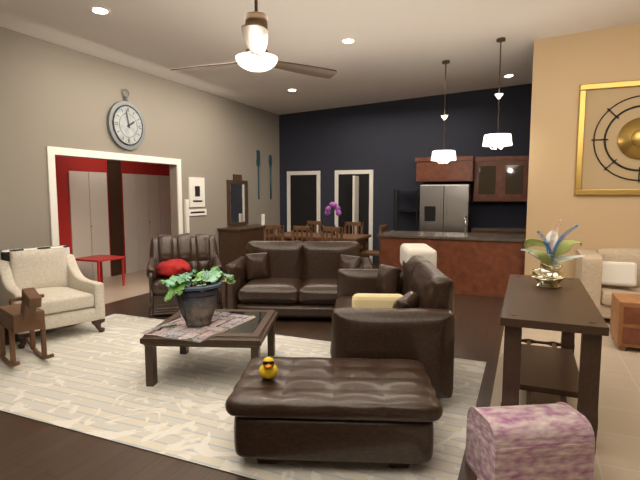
{"hour": 1, "minute": 58}
